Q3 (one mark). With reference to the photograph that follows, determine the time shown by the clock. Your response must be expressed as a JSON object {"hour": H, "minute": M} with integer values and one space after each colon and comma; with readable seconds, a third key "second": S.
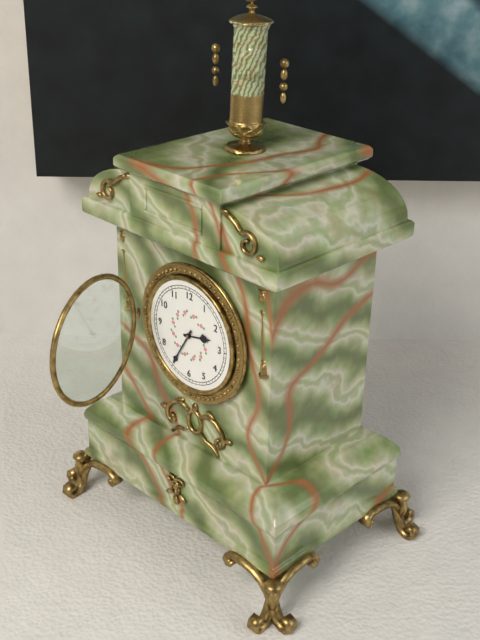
{"hour": 2, "minute": 35}
